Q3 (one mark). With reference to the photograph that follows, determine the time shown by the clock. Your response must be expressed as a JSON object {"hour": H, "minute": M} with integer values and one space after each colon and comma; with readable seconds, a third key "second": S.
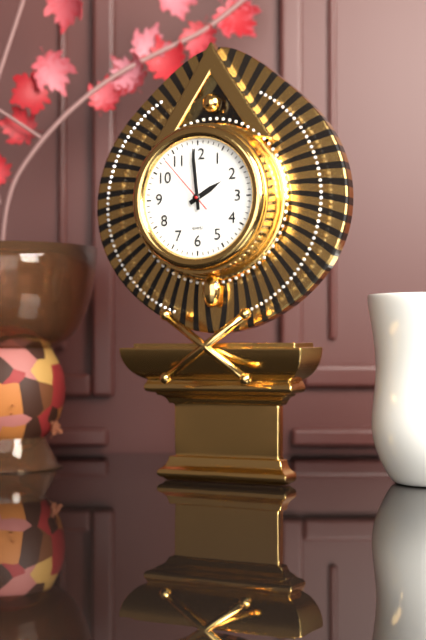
{"hour": 1, "minute": 59, "second": 53}
